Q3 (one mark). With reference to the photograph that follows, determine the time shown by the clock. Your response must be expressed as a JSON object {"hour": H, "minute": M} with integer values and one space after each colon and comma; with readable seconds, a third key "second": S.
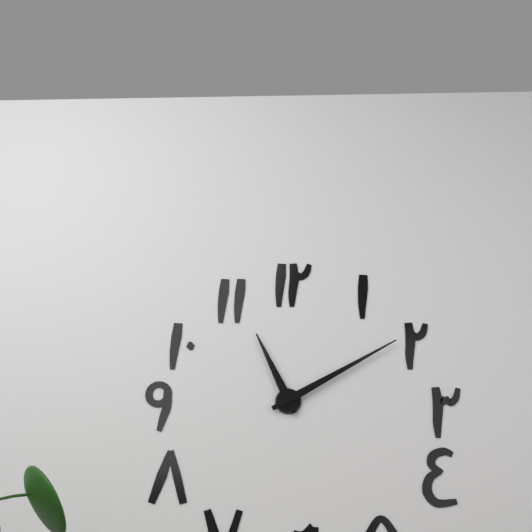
{"hour": 11, "minute": 10}
